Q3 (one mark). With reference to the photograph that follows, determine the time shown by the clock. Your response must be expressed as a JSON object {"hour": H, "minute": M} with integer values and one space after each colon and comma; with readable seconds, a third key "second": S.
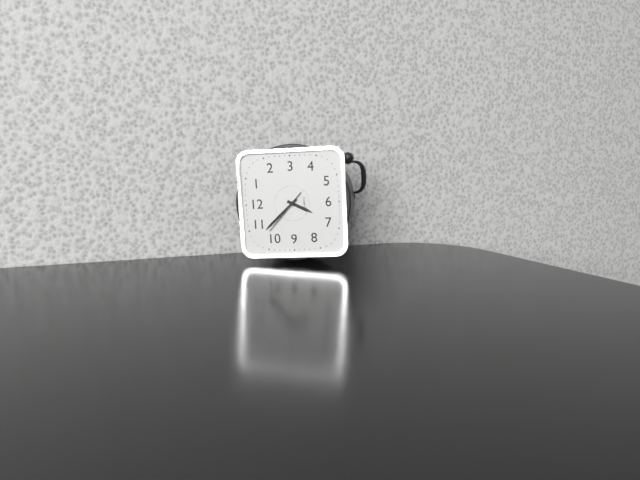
{"hour": 6, "minute": 53}
